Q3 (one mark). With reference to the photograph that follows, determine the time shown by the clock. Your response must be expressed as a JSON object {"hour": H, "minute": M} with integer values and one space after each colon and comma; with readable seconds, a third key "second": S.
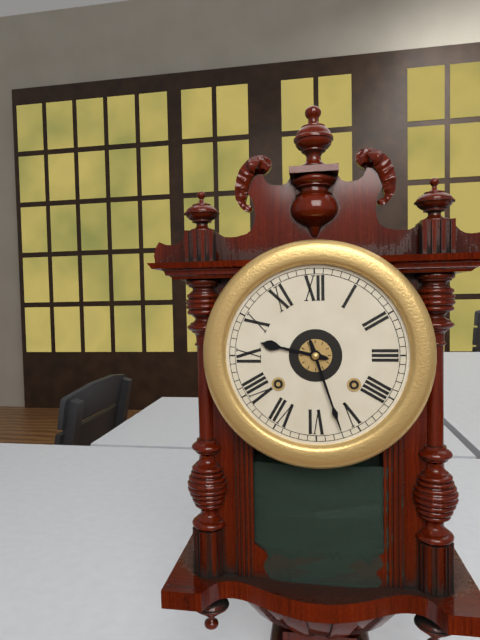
{"hour": 9, "minute": 27}
